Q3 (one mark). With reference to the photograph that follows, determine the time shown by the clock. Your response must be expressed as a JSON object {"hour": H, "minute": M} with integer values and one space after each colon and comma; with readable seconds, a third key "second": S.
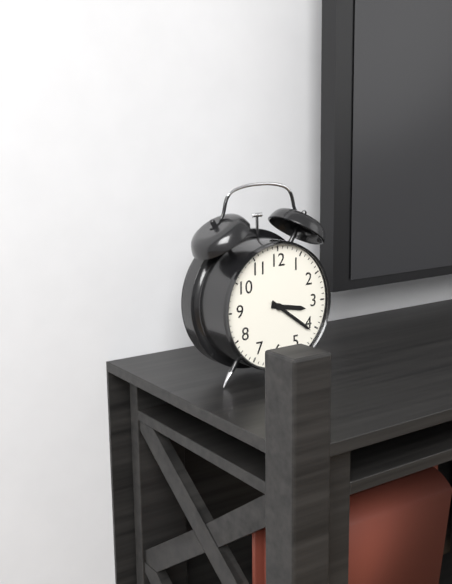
{"hour": 3, "minute": 21}
